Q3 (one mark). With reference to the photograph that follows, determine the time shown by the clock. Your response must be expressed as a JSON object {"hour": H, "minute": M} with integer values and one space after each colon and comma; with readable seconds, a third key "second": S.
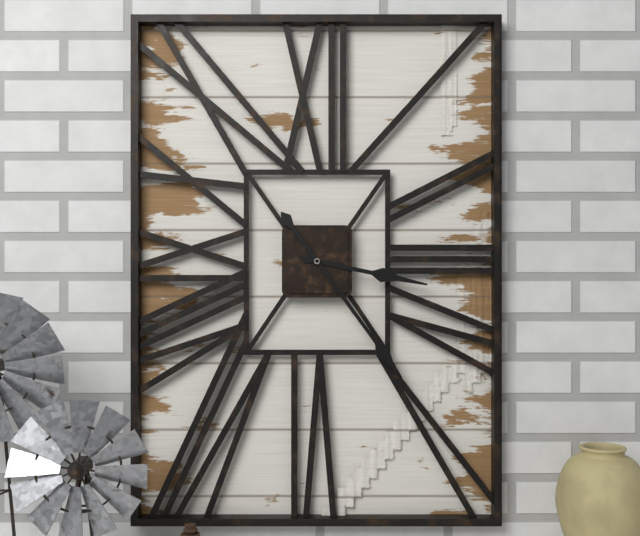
{"hour": 3, "minute": 24}
